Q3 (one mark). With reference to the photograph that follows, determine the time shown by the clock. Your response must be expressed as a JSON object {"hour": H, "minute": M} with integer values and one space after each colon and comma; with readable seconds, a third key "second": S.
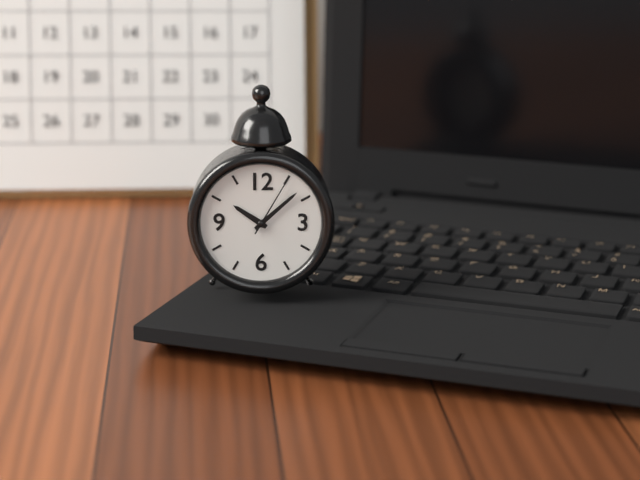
{"hour": 10, "minute": 8, "second": 5}
